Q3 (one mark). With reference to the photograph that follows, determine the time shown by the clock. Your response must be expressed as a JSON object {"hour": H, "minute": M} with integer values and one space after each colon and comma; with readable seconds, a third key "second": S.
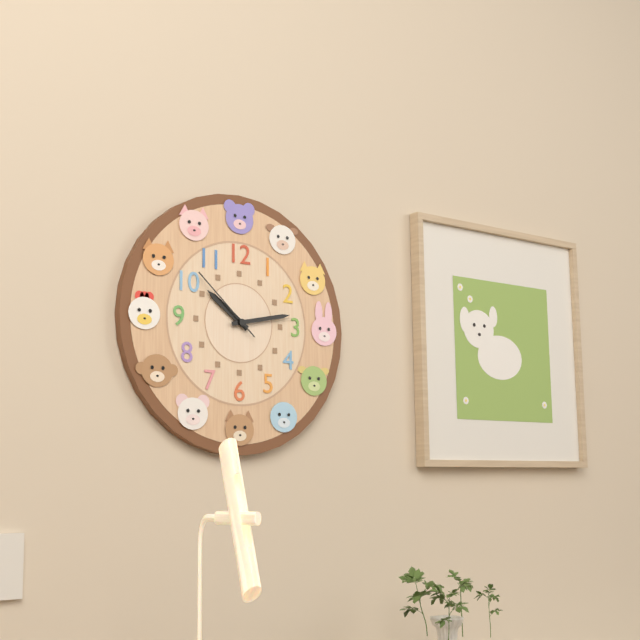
{"hour": 10, "minute": 13, "second": 52}
